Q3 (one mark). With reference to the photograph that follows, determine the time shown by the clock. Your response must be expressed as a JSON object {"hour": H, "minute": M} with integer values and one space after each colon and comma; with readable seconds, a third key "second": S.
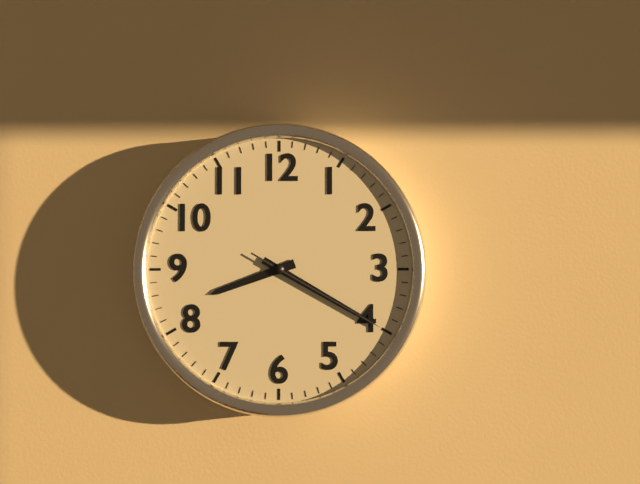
{"hour": 8, "minute": 20, "second": 20}
